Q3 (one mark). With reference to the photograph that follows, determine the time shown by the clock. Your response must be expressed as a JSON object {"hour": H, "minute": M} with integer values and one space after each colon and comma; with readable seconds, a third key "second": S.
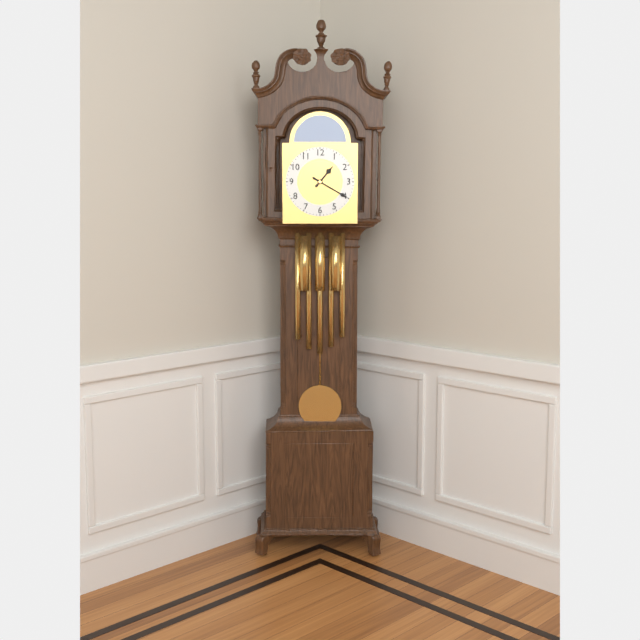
{"hour": 1, "minute": 20}
